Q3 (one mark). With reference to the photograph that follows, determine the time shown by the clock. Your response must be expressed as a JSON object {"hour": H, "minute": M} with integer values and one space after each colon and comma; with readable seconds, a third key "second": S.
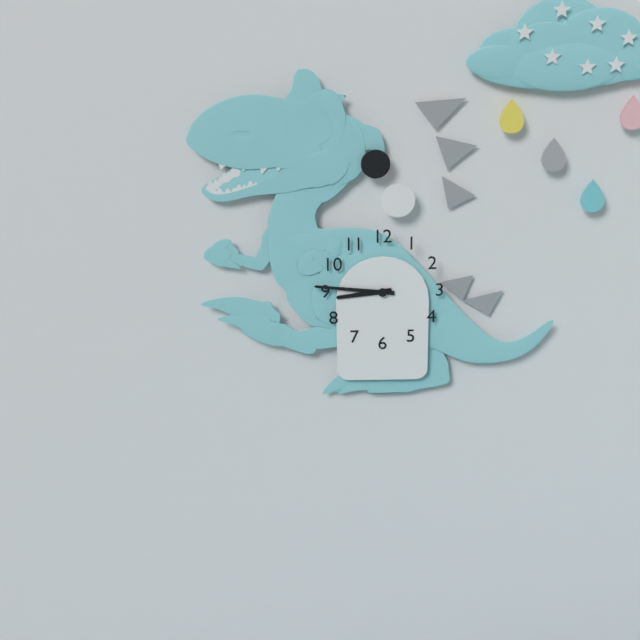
{"hour": 8, "minute": 46}
